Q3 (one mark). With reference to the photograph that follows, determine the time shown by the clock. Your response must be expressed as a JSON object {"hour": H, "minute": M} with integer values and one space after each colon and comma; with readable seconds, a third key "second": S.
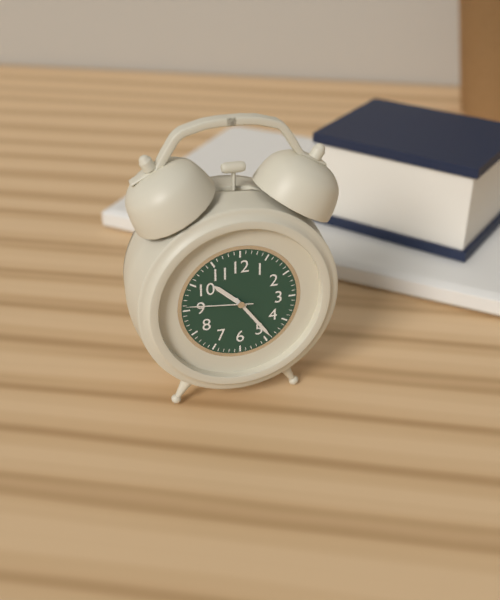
{"hour": 10, "minute": 24, "second": 46}
